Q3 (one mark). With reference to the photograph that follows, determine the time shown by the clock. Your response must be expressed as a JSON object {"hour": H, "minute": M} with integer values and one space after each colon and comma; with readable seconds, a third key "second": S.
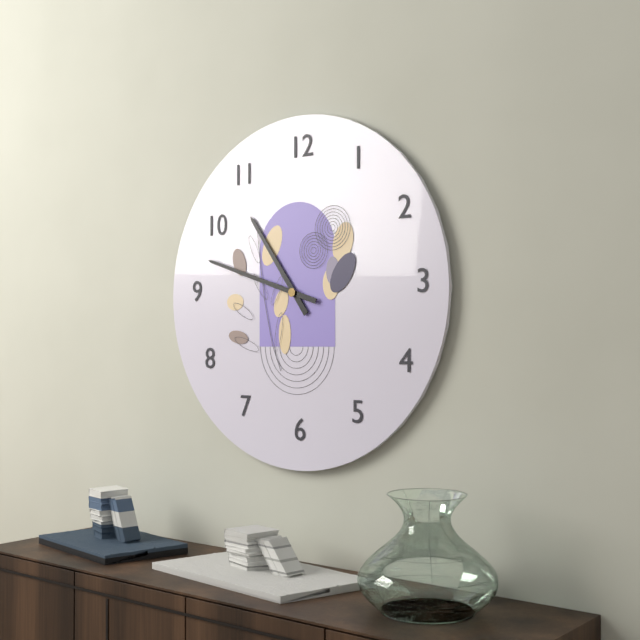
{"hour": 10, "minute": 48}
